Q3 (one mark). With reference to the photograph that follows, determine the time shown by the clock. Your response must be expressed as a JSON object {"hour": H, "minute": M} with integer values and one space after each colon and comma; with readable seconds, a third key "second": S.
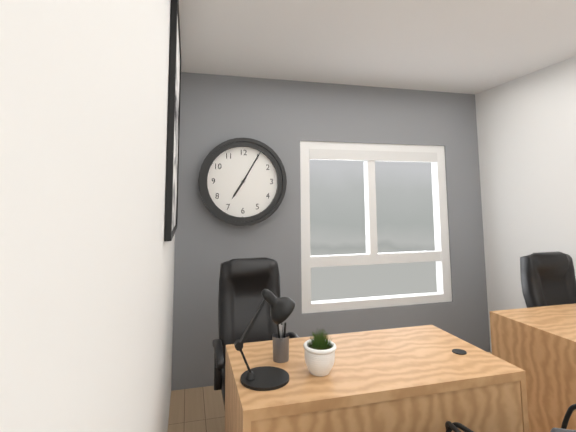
{"hour": 7, "minute": 5}
